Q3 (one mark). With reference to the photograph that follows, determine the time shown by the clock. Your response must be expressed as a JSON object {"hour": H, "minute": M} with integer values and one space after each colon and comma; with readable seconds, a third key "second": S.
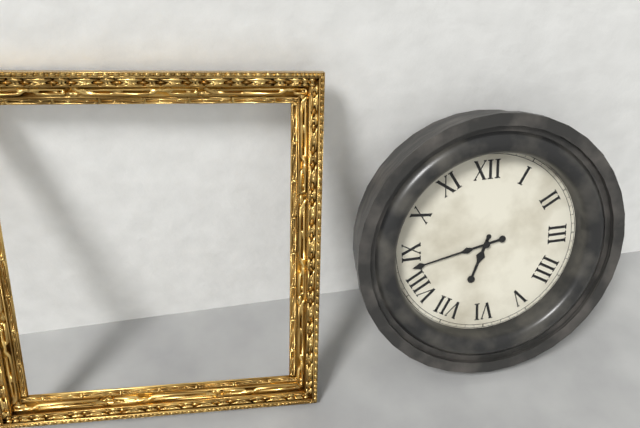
{"hour": 6, "minute": 43}
